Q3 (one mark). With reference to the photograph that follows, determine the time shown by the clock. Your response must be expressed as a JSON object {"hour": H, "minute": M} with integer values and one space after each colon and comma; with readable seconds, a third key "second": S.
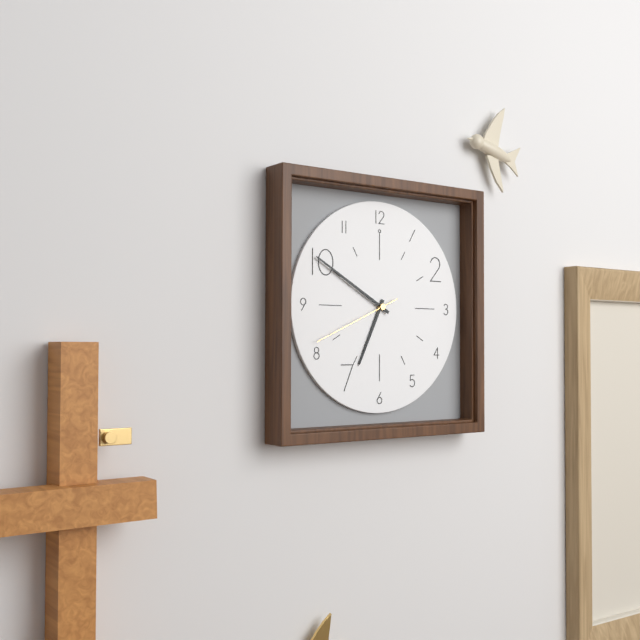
{"hour": 6, "minute": 50, "second": 41}
